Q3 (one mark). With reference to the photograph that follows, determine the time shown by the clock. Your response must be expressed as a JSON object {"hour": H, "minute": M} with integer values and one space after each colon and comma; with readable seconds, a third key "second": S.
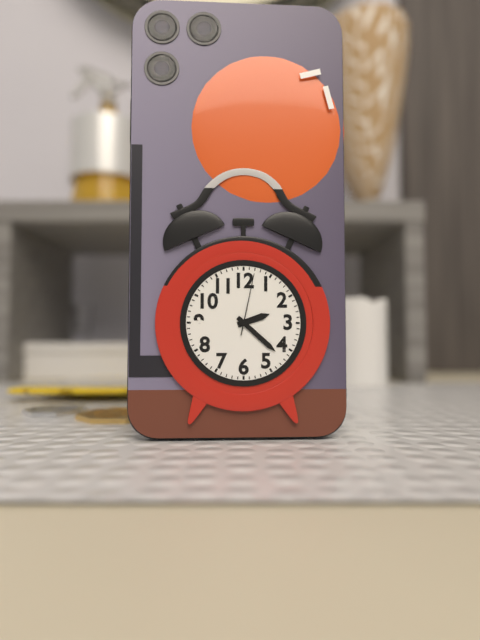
{"hour": 2, "minute": 22, "second": 2}
